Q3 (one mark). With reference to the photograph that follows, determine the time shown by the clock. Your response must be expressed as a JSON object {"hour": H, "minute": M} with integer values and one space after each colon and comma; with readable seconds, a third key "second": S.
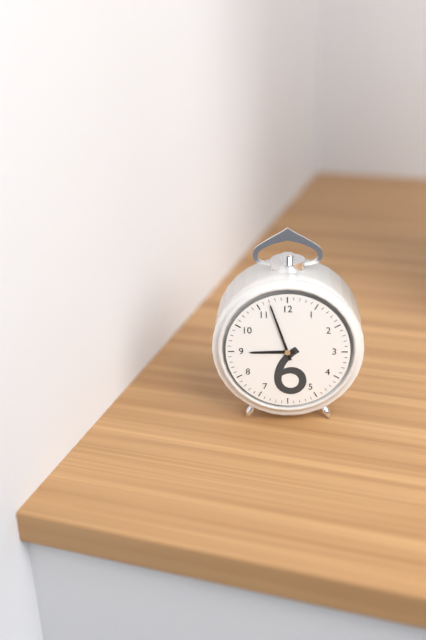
{"hour": 8, "minute": 57}
